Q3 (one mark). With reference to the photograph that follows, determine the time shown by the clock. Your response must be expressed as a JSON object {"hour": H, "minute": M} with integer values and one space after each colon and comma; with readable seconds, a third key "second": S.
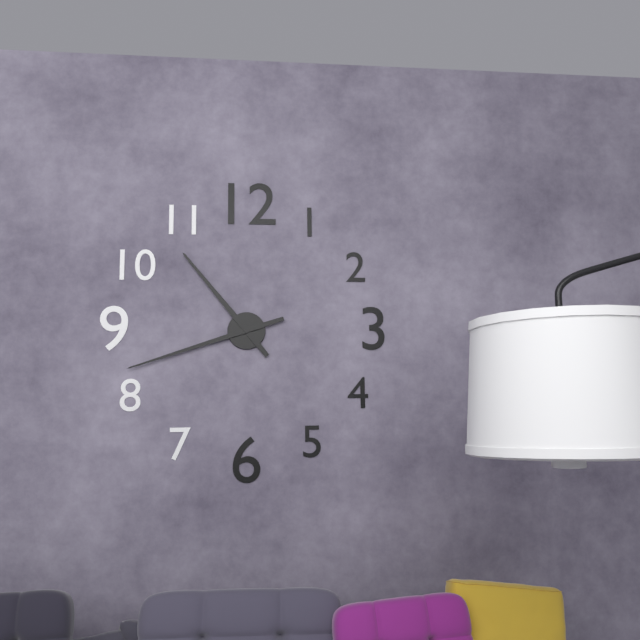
{"hour": 10, "minute": 42}
